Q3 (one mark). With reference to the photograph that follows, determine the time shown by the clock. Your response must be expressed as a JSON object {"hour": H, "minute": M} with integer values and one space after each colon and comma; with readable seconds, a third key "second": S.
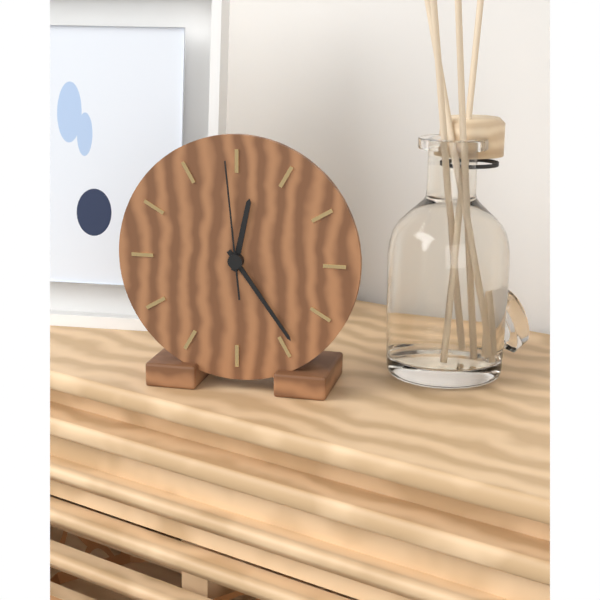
{"hour": 12, "minute": 24, "second": 59}
